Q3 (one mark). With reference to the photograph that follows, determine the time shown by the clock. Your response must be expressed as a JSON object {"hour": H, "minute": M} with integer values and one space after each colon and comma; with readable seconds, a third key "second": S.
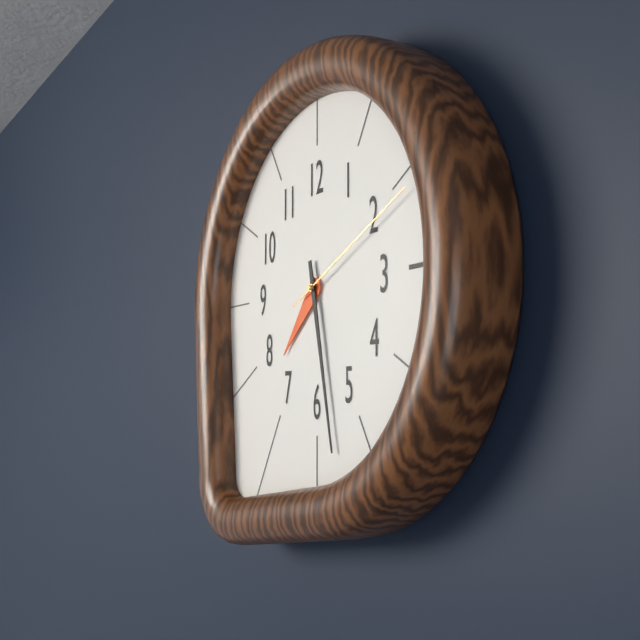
{"hour": 7, "minute": 28, "second": 11}
